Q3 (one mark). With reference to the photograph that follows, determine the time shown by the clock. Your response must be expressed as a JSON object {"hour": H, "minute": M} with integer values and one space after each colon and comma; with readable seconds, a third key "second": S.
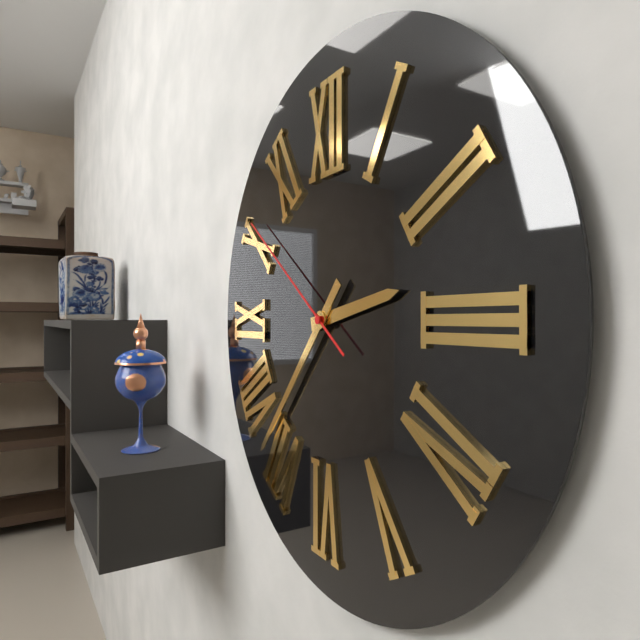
{"hour": 2, "minute": 37, "second": 51}
